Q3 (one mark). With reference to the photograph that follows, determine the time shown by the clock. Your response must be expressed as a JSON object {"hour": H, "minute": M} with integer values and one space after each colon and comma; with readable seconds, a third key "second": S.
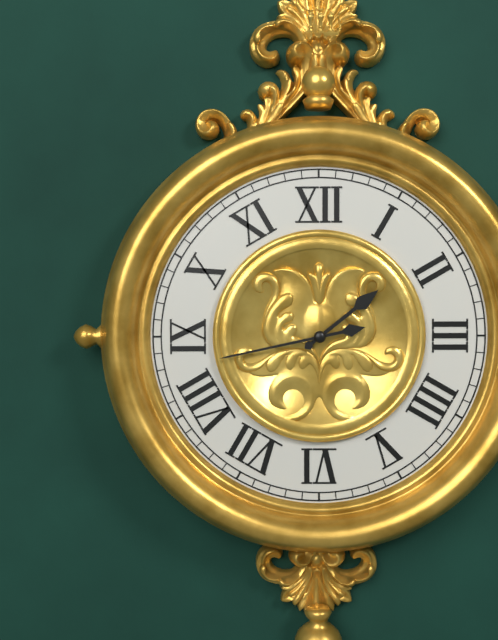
{"hour": 1, "minute": 43}
